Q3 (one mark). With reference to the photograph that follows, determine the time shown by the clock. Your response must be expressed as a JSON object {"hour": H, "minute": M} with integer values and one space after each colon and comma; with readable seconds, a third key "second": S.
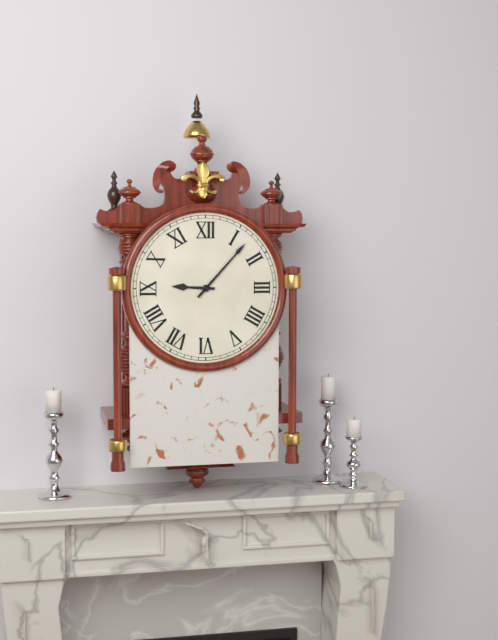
{"hour": 9, "minute": 7}
